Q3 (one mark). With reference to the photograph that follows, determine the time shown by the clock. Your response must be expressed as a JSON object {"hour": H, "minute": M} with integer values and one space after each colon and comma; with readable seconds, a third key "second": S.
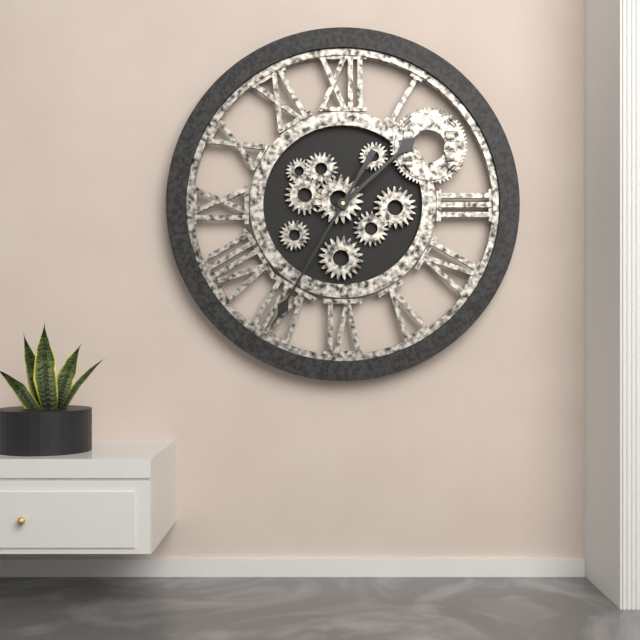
{"hour": 1, "minute": 35}
